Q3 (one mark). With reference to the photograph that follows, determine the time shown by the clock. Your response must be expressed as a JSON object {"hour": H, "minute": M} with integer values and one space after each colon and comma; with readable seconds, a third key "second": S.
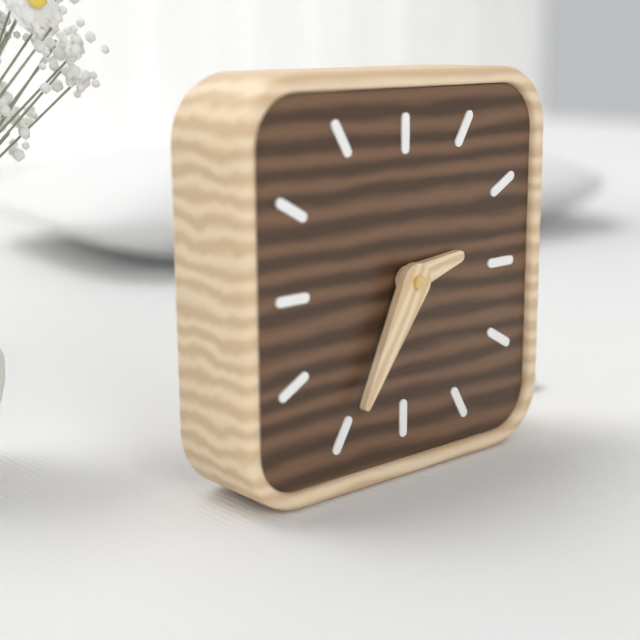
{"hour": 2, "minute": 35}
